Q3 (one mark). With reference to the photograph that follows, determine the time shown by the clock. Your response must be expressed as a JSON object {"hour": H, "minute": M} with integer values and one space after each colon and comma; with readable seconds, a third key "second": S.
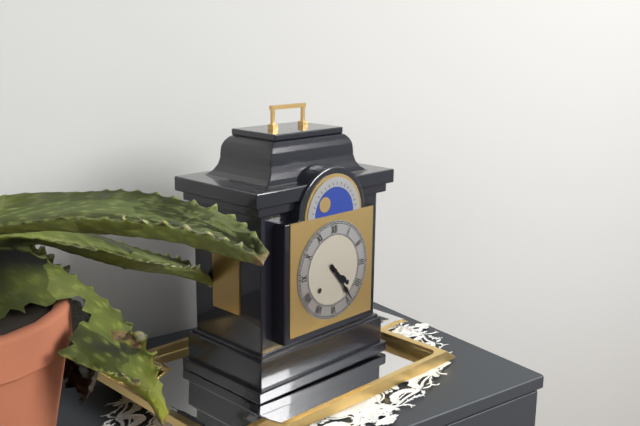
{"hour": 4, "minute": 24}
